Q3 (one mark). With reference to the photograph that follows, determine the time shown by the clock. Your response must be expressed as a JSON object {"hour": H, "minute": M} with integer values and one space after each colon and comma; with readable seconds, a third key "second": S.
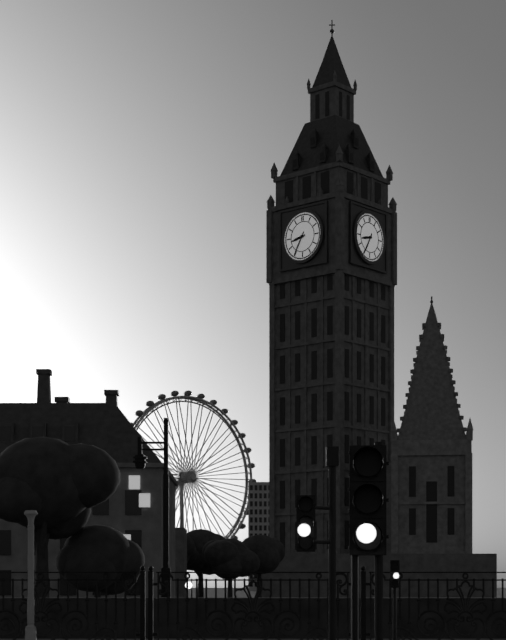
{"hour": 8, "minute": 35}
